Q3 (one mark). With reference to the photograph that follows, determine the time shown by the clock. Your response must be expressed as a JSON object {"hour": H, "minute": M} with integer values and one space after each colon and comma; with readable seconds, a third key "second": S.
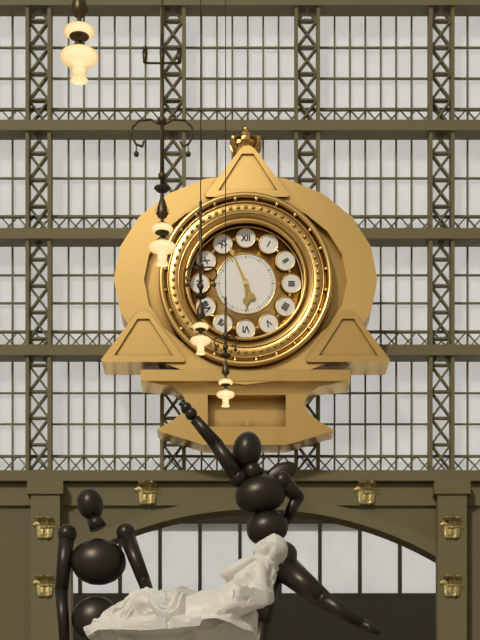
{"hour": 5, "minute": 56}
